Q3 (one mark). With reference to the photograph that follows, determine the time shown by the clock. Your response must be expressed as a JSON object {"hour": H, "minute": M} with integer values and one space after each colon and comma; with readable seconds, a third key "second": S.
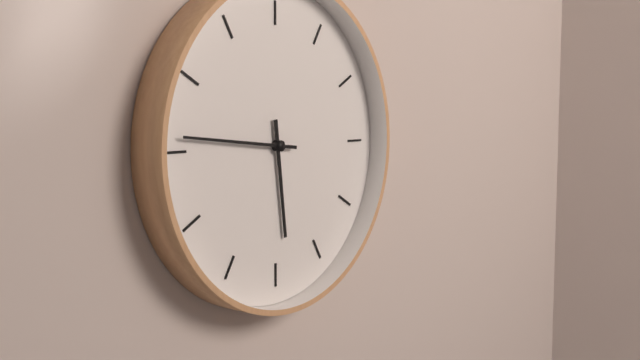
{"hour": 5, "minute": 46}
